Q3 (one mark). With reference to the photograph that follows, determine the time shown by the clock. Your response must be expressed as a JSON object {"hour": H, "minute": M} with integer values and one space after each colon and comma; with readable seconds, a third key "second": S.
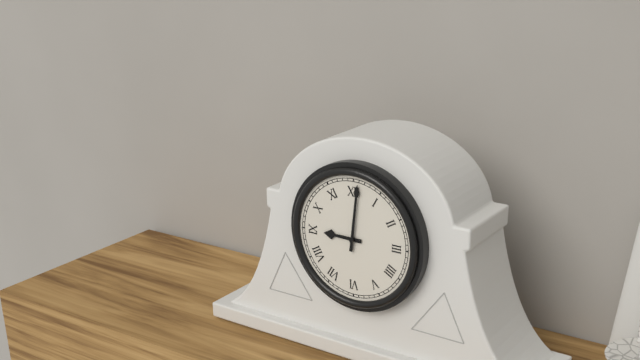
{"hour": 9, "minute": 1}
